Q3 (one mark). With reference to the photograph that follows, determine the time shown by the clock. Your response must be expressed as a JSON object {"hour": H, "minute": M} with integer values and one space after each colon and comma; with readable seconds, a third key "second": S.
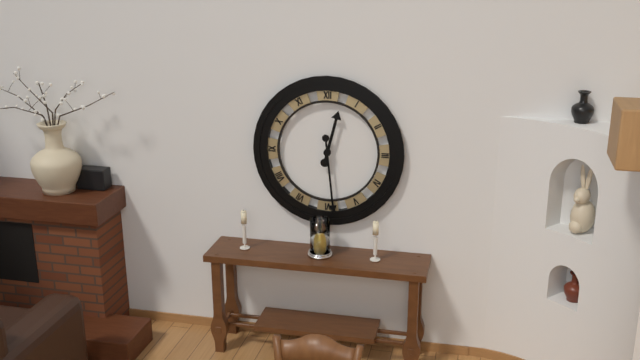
{"hour": 12, "minute": 29}
